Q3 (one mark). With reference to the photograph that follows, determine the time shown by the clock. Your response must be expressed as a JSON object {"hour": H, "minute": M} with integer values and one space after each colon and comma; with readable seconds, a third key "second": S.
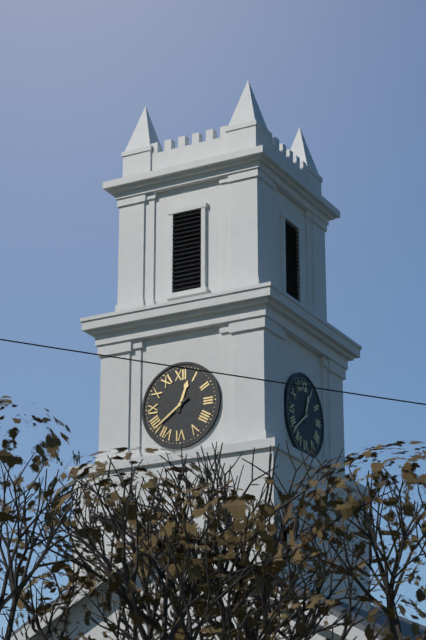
{"hour": 12, "minute": 39}
